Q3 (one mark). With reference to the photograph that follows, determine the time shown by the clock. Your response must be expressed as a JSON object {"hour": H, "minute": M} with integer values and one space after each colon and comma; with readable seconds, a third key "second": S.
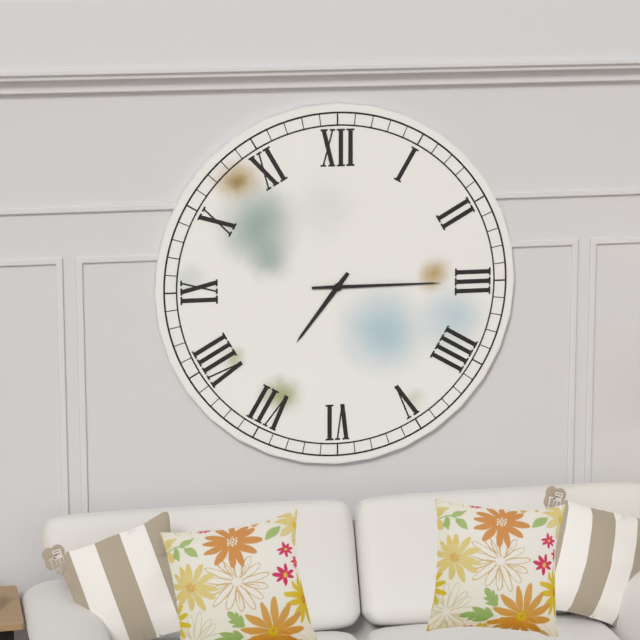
{"hour": 7, "minute": 15}
